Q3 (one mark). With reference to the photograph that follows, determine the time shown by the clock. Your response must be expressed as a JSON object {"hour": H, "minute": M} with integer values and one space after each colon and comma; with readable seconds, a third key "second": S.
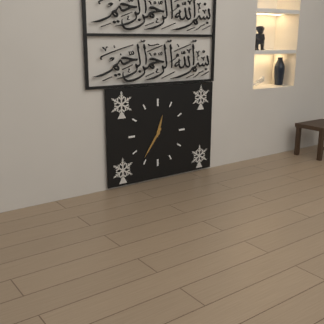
{"hour": 12, "minute": 36}
